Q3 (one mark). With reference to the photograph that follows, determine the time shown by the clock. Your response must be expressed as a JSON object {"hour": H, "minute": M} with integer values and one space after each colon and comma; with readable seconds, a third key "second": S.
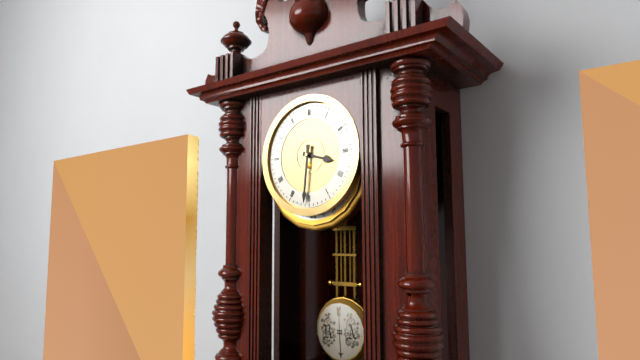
{"hour": 3, "minute": 31}
